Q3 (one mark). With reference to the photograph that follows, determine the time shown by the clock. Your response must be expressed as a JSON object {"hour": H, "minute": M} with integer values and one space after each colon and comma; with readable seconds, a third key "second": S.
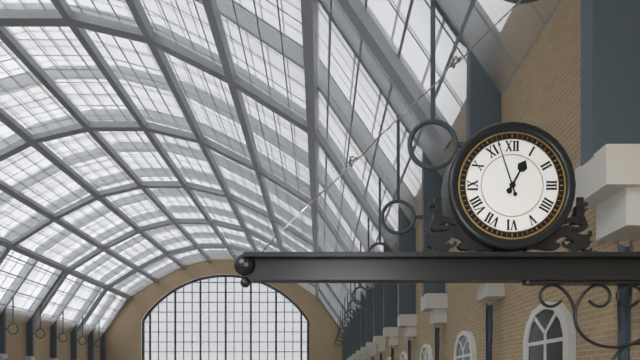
{"hour": 12, "minute": 57}
